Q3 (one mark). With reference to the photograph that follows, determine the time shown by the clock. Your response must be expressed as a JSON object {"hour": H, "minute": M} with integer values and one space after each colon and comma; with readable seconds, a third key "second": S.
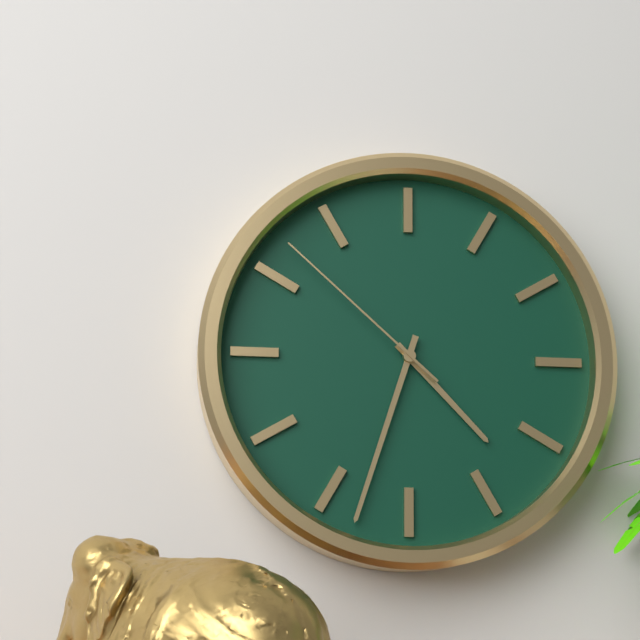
{"hour": 4, "minute": 33, "second": 52}
